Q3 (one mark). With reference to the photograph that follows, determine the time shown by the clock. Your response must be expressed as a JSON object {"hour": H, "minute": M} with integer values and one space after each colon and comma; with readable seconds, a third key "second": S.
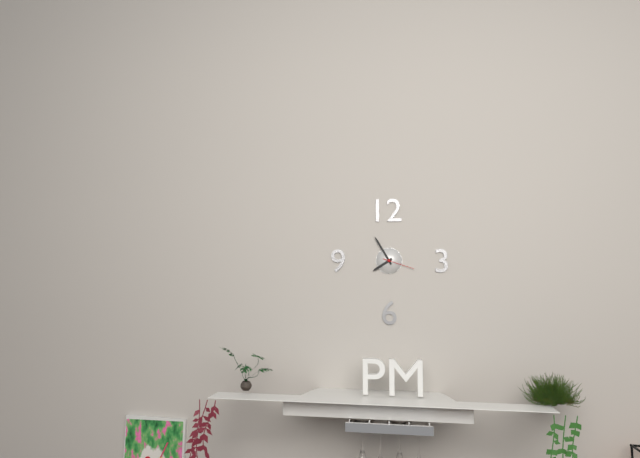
{"hour": 7, "minute": 55}
